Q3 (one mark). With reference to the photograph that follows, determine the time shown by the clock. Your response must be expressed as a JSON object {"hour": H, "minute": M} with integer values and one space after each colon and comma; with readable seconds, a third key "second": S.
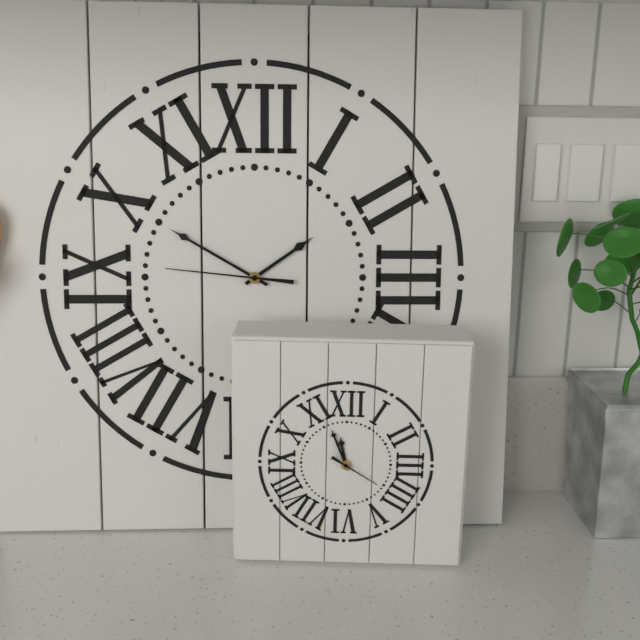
{"hour": 1, "minute": 50, "second": 46}
